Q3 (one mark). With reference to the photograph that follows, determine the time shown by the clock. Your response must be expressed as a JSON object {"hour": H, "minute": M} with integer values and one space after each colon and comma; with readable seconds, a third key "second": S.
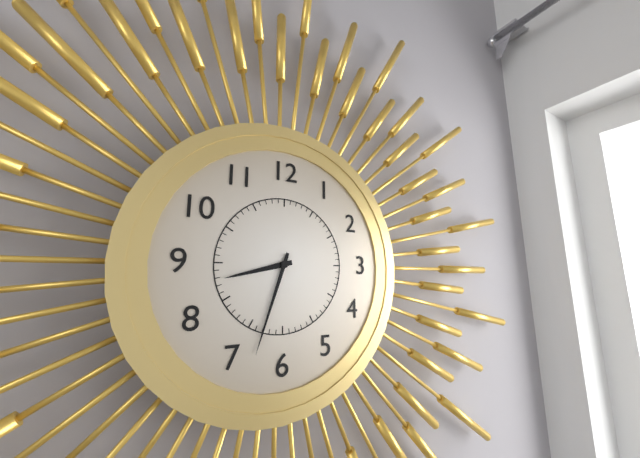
{"hour": 8, "minute": 33}
